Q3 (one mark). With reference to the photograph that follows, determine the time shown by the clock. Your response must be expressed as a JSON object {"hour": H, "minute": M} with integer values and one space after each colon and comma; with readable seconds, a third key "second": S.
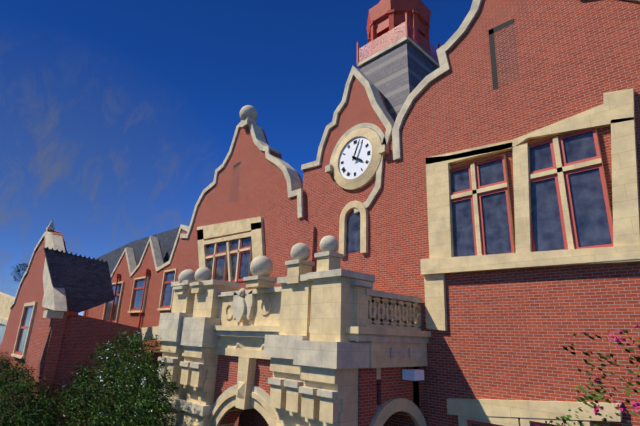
{"hour": 4, "minute": 4}
